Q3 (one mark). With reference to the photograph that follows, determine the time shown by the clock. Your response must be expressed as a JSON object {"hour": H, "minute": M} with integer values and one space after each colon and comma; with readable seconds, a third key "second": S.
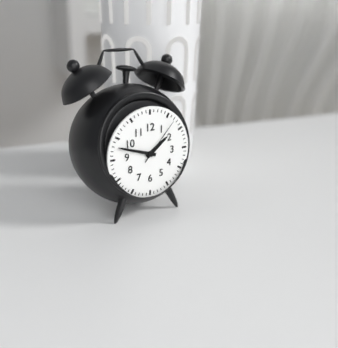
{"hour": 1, "minute": 48, "second": 7}
